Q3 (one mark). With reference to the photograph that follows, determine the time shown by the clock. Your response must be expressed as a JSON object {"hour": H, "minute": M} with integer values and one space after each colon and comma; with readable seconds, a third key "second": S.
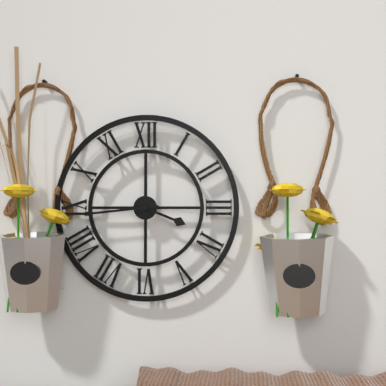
{"hour": 3, "minute": 44}
